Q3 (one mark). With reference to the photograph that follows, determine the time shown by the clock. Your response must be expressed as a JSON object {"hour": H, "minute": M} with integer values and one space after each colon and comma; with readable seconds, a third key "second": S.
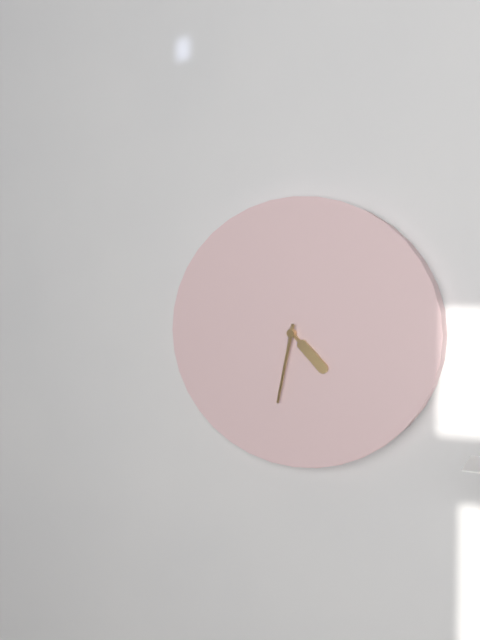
{"hour": 4, "minute": 32}
